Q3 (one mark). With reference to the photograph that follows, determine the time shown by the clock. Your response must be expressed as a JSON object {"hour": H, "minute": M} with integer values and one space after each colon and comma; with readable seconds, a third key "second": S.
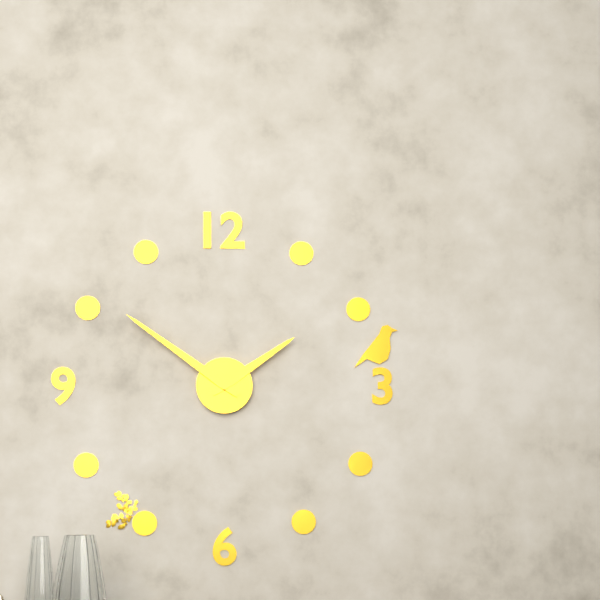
{"hour": 1, "minute": 51}
